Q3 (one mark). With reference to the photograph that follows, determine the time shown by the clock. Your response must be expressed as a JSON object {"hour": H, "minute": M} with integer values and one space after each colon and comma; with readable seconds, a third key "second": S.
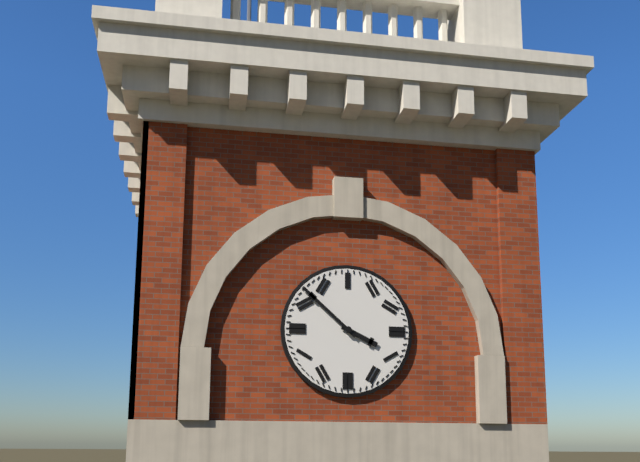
{"hour": 3, "minute": 52}
